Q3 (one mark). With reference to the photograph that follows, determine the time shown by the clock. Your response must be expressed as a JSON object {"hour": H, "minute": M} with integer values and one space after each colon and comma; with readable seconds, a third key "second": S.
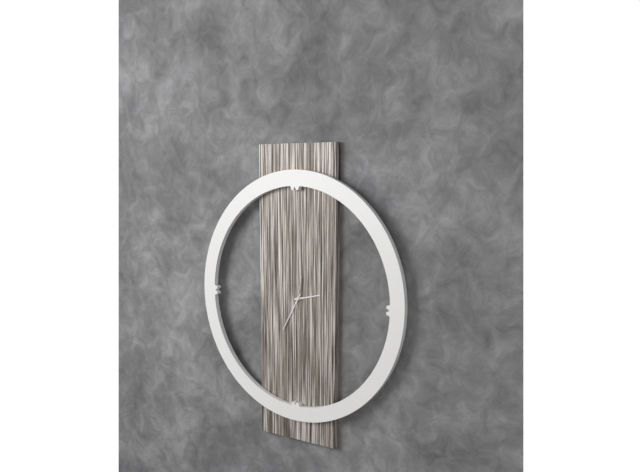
{"hour": 2, "minute": 35}
